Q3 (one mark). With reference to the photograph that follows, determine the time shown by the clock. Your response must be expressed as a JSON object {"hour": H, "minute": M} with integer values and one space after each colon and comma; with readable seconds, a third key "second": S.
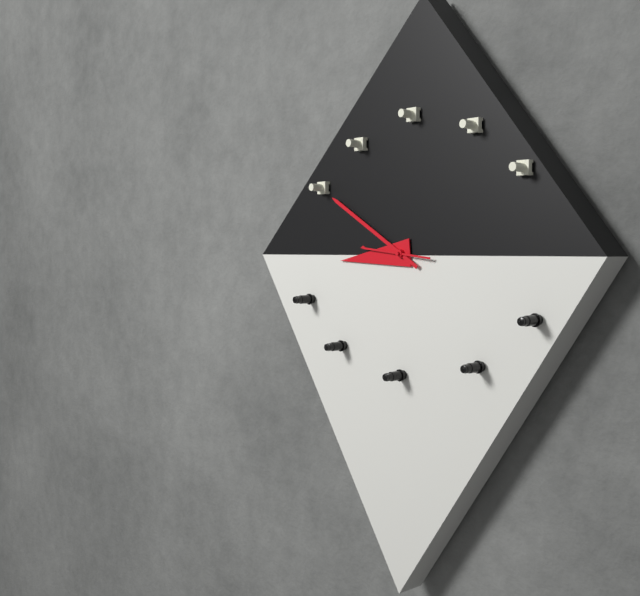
{"hour": 8, "minute": 50}
